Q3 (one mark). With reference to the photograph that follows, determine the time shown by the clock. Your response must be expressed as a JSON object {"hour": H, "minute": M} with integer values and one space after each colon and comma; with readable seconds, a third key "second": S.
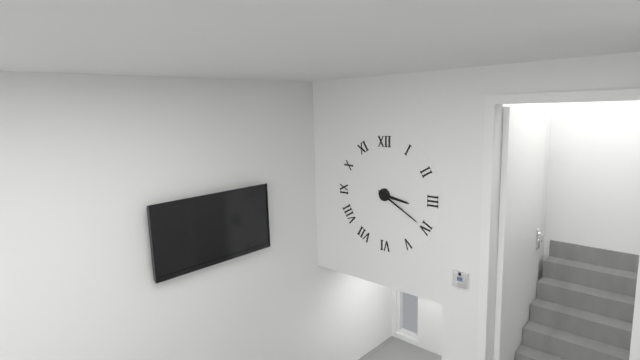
{"hour": 3, "minute": 20}
